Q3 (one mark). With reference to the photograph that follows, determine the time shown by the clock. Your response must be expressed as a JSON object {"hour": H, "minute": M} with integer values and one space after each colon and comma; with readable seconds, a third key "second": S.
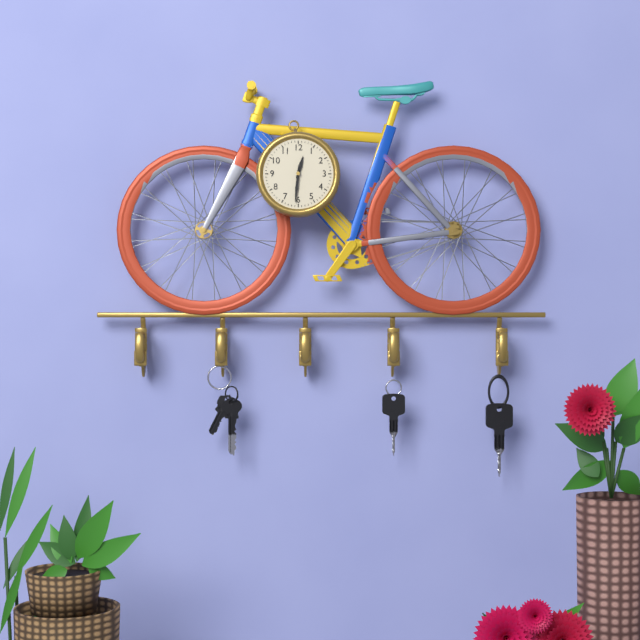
{"hour": 12, "minute": 31}
